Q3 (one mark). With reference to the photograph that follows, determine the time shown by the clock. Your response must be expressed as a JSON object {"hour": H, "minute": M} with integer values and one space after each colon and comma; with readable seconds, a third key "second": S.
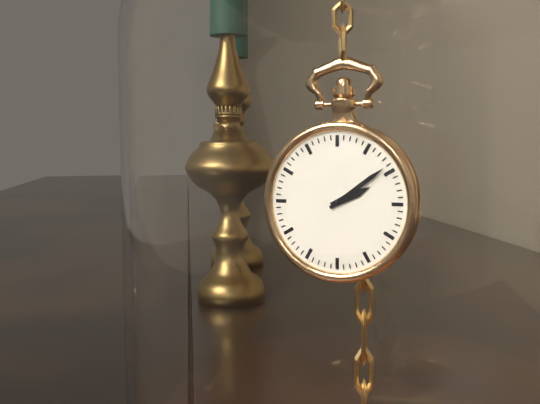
{"hour": 2, "minute": 9}
